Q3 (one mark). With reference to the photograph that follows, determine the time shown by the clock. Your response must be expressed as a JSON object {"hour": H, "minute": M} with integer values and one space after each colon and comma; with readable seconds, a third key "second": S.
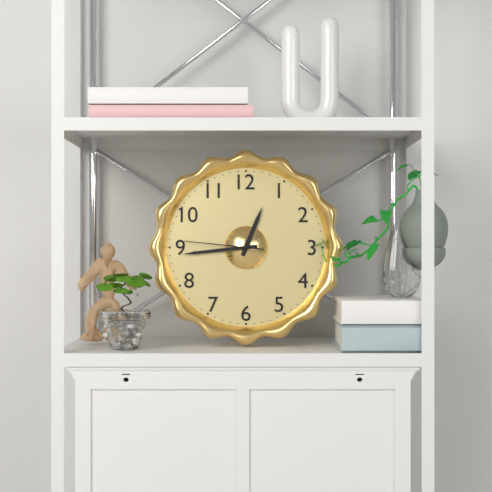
{"hour": 12, "minute": 44, "second": 46}
